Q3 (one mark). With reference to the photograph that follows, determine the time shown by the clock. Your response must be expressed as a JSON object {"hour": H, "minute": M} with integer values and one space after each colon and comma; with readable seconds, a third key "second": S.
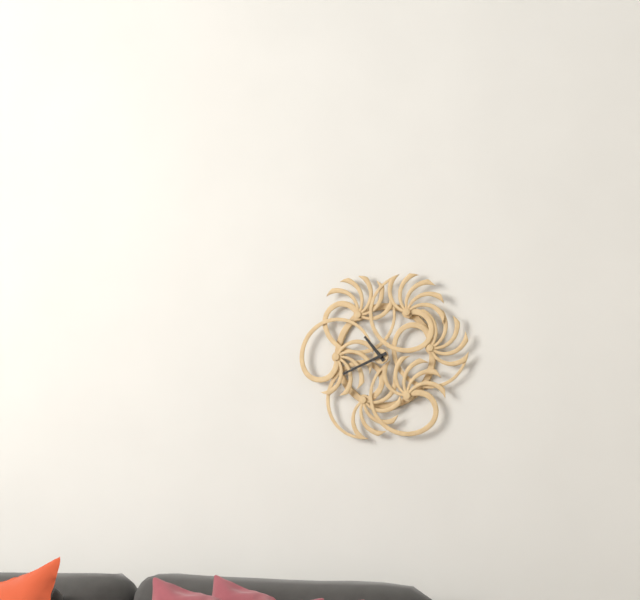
{"hour": 10, "minute": 41}
